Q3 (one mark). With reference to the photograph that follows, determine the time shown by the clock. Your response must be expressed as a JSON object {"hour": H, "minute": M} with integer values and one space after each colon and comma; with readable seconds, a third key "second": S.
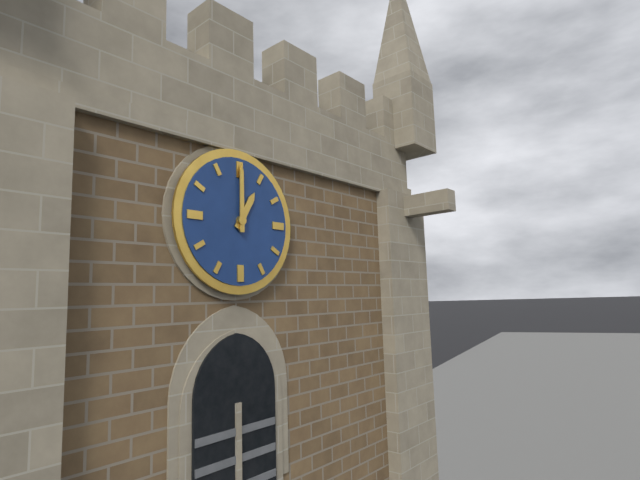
{"hour": 1, "minute": 0}
